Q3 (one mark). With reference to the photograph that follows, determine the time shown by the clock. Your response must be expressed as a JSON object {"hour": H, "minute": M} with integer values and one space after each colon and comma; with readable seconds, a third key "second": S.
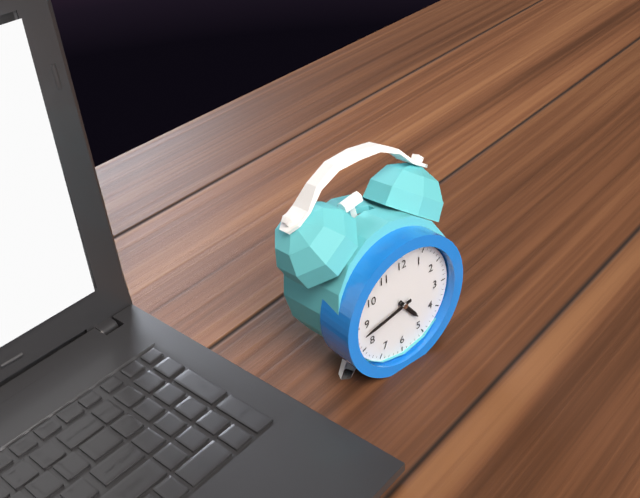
{"hour": 4, "minute": 43}
